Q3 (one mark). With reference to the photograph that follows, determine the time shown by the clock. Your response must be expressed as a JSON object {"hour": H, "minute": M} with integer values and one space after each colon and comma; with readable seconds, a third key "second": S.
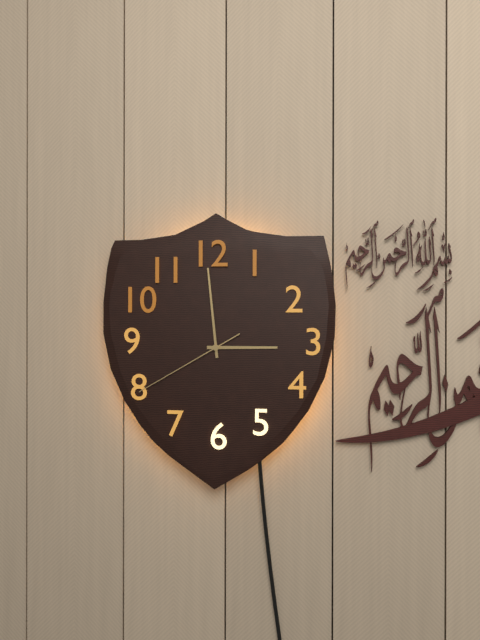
{"hour": 2, "minute": 59, "second": 40}
